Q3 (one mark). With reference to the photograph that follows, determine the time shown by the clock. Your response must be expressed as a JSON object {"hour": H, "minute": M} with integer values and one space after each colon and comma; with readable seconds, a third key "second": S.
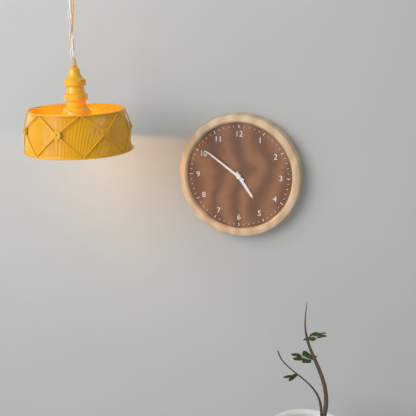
{"hour": 4, "minute": 51}
